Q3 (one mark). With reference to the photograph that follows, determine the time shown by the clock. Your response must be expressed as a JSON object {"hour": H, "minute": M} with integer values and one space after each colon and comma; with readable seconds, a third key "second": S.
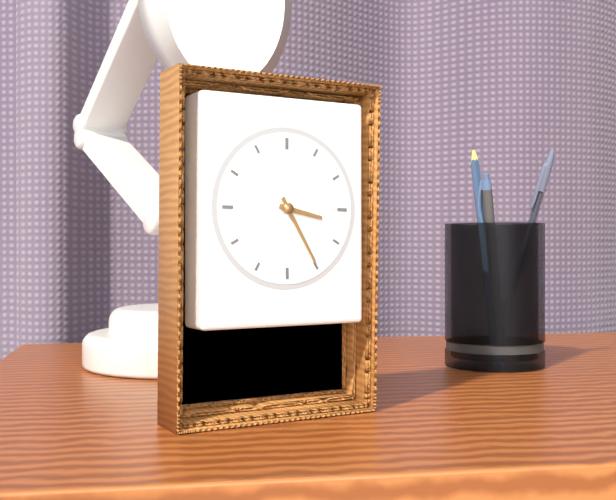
{"hour": 3, "minute": 25}
